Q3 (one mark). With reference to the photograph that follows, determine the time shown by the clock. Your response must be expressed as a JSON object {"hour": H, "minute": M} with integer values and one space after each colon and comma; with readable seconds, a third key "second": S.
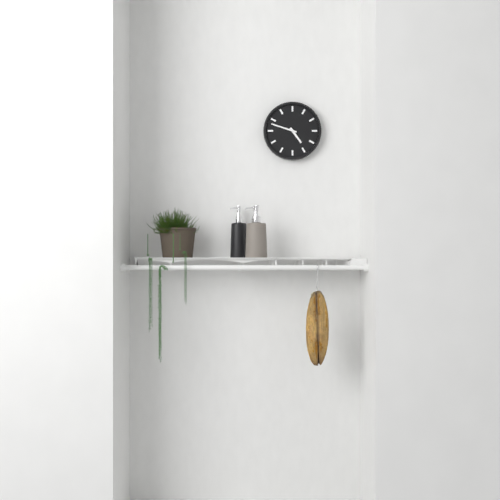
{"hour": 4, "minute": 48}
